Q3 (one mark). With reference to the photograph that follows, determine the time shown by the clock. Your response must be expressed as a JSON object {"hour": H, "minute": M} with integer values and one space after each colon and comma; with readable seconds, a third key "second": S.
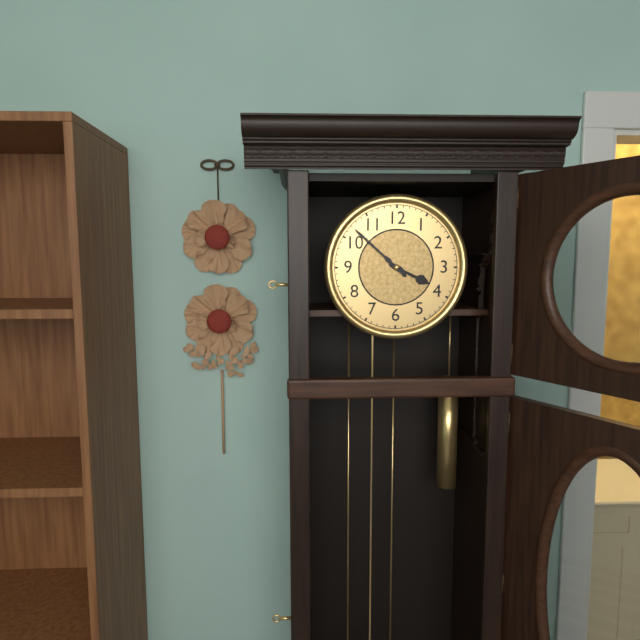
{"hour": 3, "minute": 52}
